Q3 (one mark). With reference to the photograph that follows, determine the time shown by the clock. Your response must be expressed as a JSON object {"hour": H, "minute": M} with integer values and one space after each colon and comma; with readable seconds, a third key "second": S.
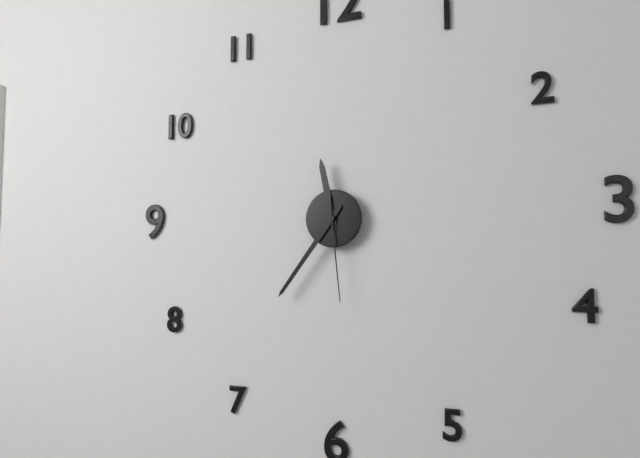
{"hour": 11, "minute": 36, "second": 29}
